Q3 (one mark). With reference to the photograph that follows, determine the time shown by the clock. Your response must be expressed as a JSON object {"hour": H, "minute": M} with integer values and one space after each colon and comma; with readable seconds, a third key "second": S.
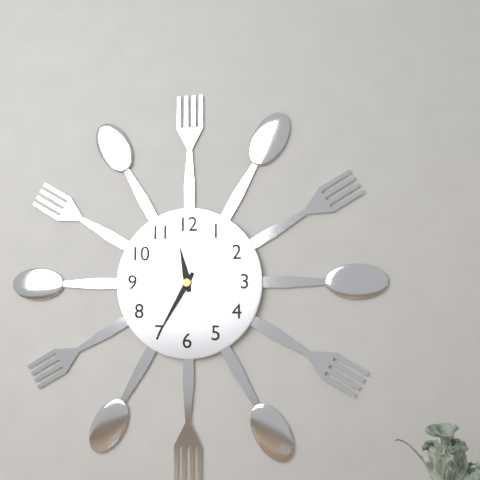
{"hour": 11, "minute": 35}
